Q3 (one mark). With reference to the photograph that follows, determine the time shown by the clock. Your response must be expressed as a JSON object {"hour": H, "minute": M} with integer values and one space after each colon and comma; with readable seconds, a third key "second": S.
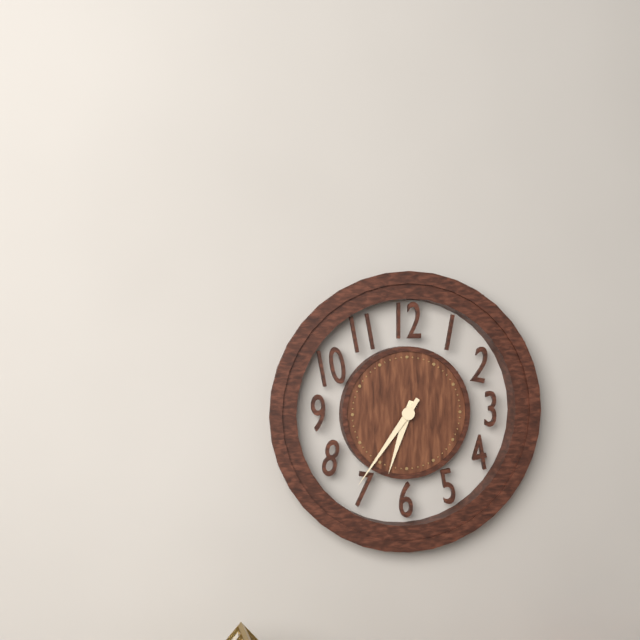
{"hour": 6, "minute": 36}
